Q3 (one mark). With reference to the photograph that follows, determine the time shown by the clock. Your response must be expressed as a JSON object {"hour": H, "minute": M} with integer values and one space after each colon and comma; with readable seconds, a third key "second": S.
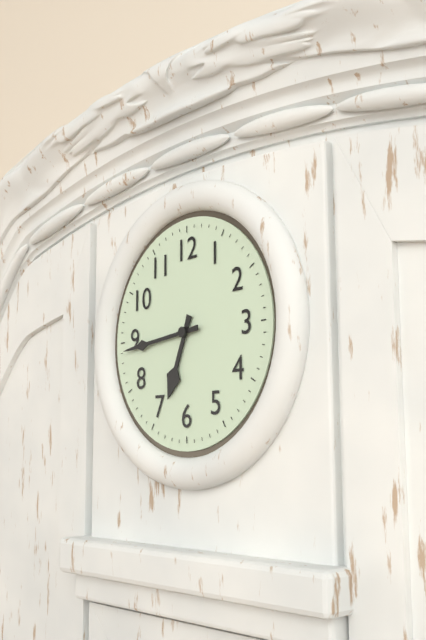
{"hour": 6, "minute": 44}
